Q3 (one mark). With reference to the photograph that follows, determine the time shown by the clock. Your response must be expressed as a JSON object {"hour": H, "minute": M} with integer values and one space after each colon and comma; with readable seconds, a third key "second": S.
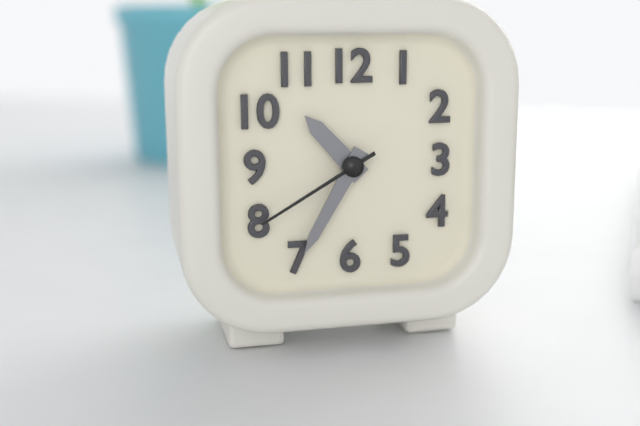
{"hour": 10, "minute": 35, "second": 40}
